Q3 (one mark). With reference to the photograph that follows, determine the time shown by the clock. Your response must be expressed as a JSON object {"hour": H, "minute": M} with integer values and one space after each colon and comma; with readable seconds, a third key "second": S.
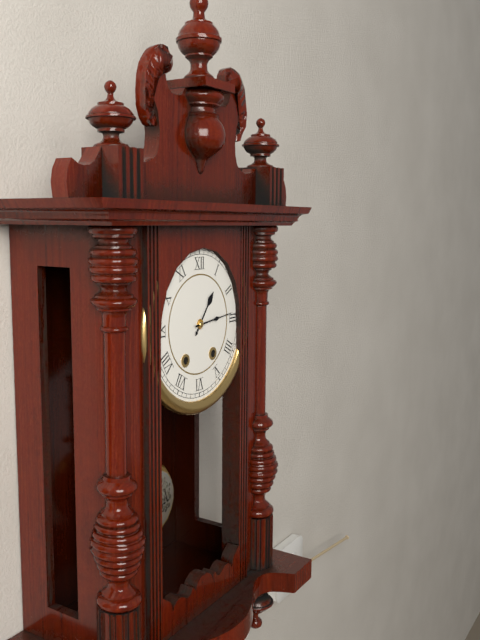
{"hour": 1, "minute": 14}
